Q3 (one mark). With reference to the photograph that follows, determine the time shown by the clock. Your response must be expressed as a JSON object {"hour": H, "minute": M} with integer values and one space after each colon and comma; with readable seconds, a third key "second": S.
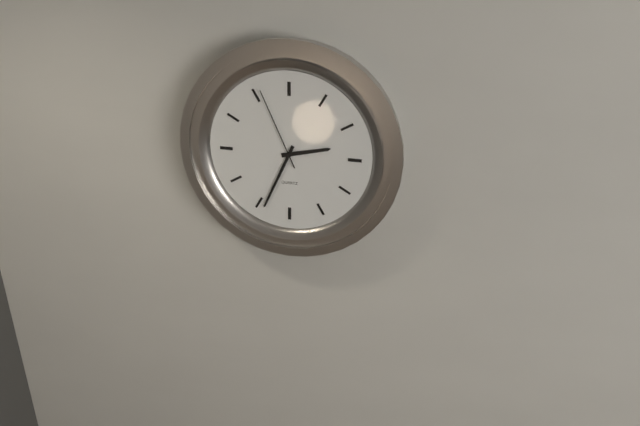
{"hour": 2, "minute": 34, "second": 56}
